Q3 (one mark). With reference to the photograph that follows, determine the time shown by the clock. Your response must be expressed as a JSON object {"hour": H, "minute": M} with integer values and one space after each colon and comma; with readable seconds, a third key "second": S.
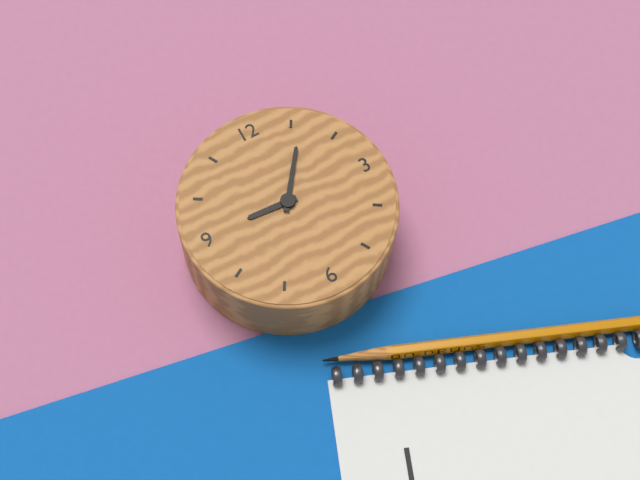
{"hour": 9, "minute": 6}
